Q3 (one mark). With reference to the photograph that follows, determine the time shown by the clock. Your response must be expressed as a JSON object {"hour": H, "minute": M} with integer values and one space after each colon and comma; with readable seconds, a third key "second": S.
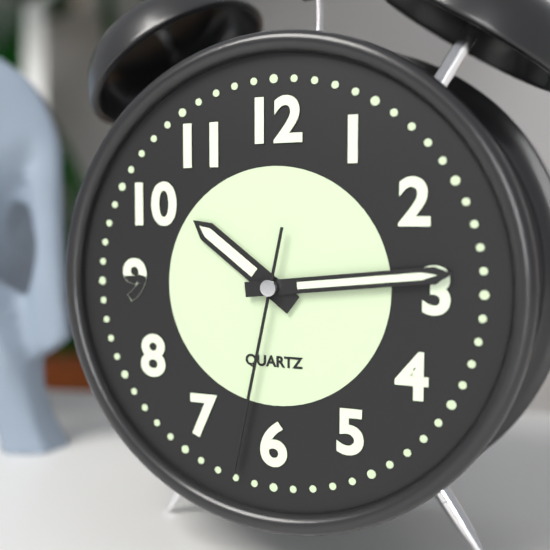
{"hour": 10, "minute": 14, "second": 32}
